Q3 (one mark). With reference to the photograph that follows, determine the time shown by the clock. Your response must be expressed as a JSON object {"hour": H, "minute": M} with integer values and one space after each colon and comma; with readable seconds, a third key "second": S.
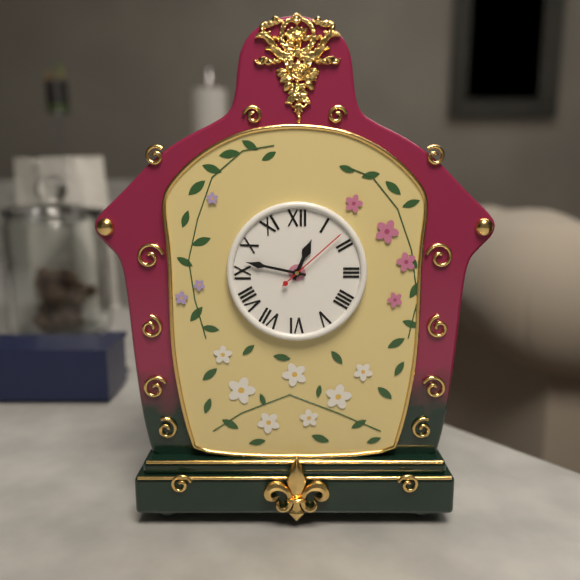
{"hour": 12, "minute": 47, "second": 8}
